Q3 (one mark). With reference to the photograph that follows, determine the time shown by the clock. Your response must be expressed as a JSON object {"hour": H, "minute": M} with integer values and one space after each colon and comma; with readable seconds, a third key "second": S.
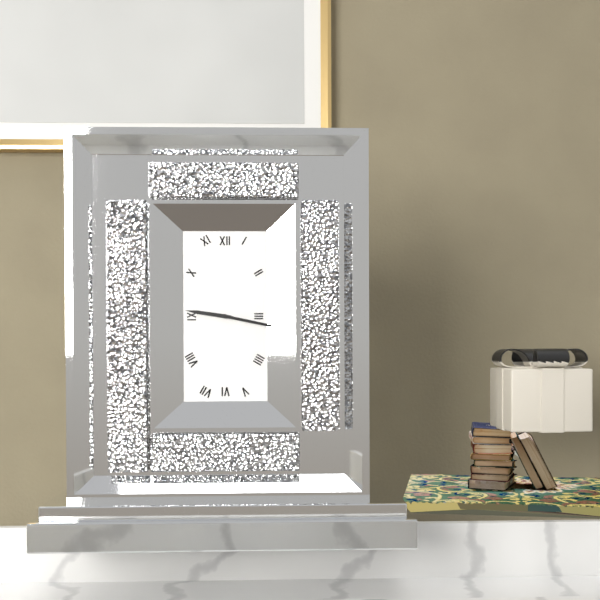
{"hour": 9, "minute": 17}
